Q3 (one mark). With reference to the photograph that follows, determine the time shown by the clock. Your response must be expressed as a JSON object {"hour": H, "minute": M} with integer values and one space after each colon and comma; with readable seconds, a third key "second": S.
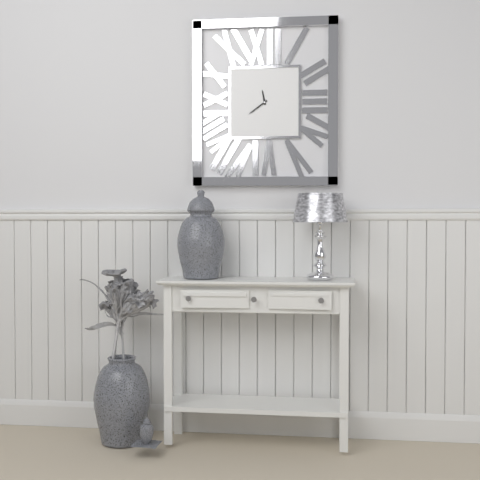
{"hour": 11, "minute": 39}
